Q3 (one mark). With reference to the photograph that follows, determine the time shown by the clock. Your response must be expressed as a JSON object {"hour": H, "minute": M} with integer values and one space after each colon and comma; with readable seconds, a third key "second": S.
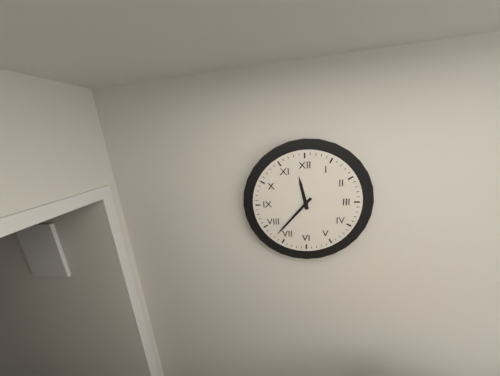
{"hour": 11, "minute": 37}
